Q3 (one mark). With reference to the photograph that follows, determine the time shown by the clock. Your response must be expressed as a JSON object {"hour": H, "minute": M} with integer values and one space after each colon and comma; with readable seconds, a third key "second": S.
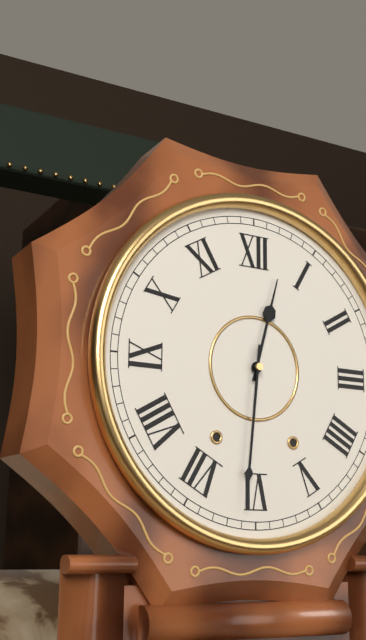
{"hour": 12, "minute": 31}
